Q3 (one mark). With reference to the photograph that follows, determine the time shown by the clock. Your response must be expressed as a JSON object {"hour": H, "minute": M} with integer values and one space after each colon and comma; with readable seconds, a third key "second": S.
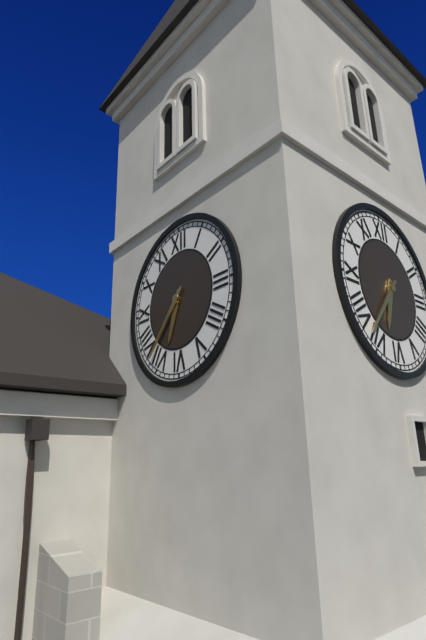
{"hour": 6, "minute": 37}
